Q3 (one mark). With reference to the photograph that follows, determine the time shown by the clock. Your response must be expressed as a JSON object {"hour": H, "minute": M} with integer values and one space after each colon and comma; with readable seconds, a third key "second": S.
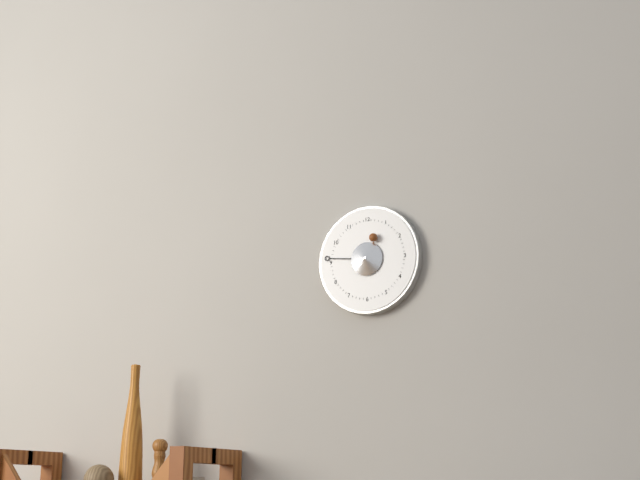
{"hour": 12, "minute": 46}
